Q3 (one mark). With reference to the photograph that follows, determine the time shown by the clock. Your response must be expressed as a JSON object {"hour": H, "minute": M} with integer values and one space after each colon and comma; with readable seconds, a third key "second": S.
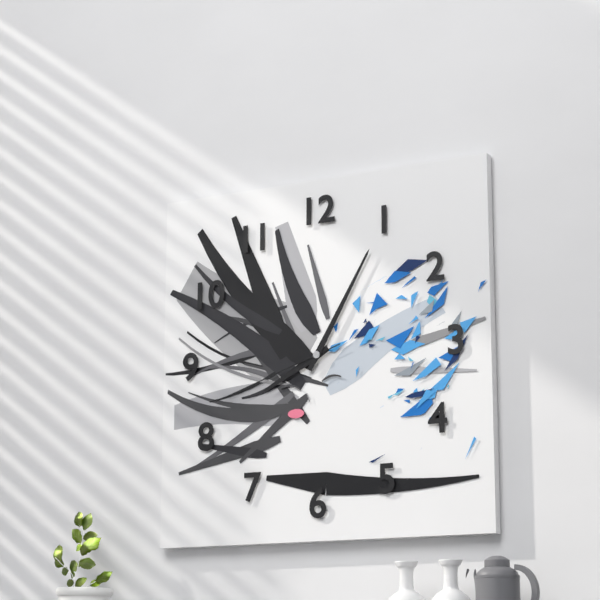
{"hour": 8, "minute": 5, "second": 42}
